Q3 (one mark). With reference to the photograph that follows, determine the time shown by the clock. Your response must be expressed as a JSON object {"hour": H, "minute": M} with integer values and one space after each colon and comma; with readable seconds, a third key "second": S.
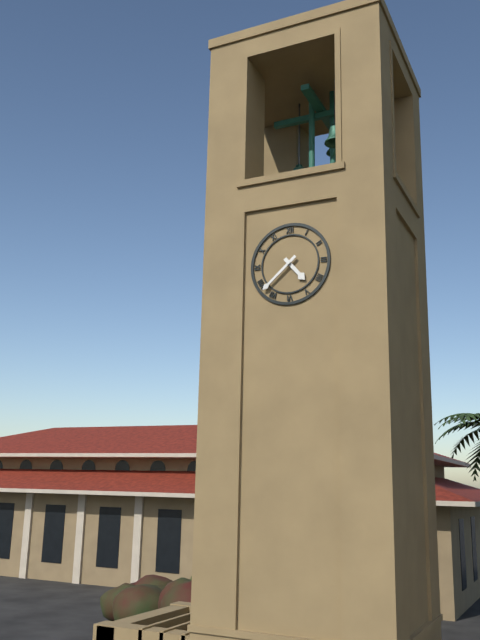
{"hour": 4, "minute": 38}
